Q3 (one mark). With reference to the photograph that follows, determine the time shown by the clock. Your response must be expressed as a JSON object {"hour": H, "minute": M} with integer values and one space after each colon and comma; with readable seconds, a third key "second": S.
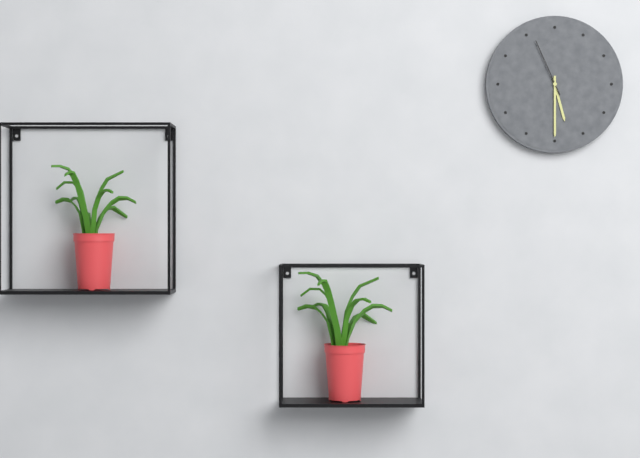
{"hour": 5, "minute": 30, "second": 56}
